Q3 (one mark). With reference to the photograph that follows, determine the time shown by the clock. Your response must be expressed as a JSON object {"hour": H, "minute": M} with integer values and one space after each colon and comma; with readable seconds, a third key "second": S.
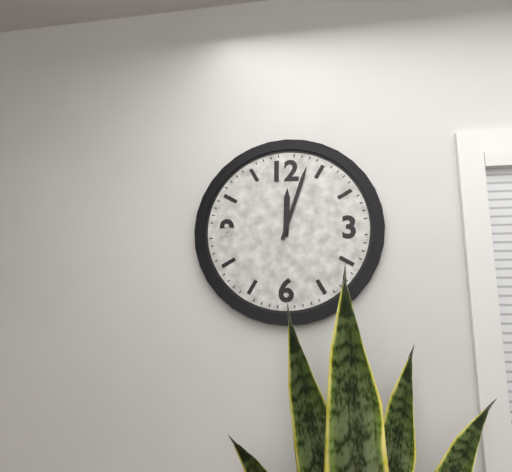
{"hour": 12, "minute": 3}
